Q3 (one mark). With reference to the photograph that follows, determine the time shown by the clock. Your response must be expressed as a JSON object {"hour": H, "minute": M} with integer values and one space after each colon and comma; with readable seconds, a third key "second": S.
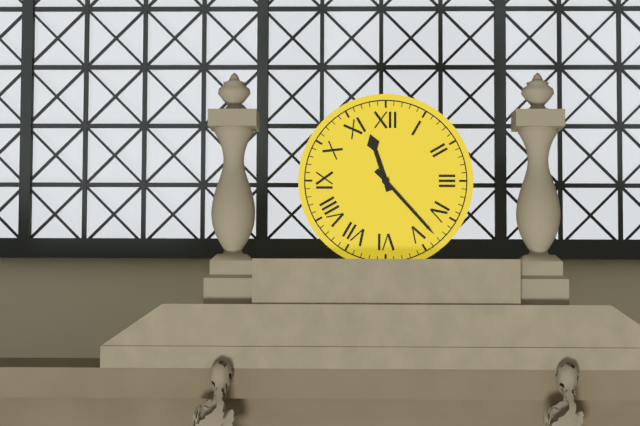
{"hour": 11, "minute": 23}
